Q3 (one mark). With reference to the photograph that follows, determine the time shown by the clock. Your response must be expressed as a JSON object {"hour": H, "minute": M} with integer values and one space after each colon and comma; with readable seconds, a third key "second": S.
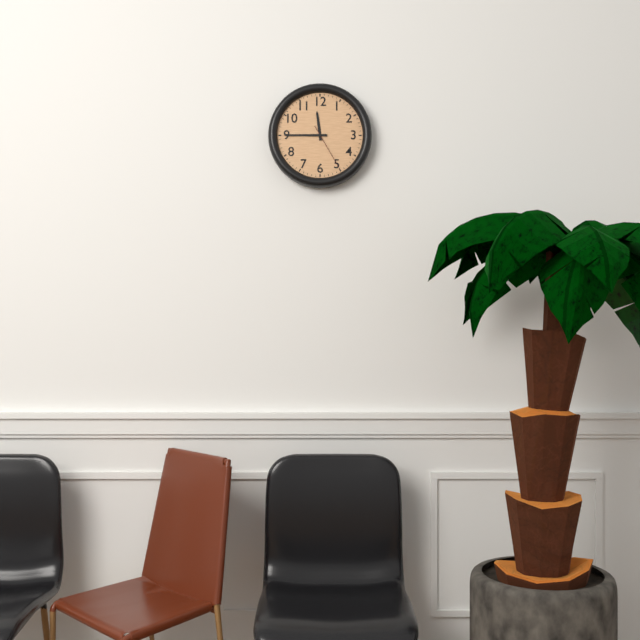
{"hour": 11, "minute": 45}
